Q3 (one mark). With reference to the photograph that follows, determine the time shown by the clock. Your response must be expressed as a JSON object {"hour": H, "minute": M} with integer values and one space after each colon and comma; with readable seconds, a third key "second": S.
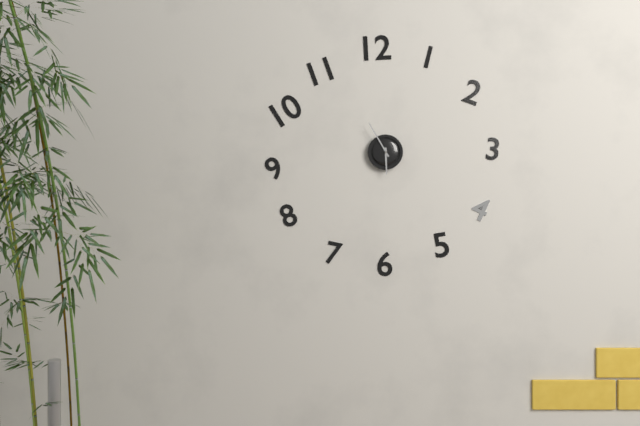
{"hour": 5, "minute": 55}
